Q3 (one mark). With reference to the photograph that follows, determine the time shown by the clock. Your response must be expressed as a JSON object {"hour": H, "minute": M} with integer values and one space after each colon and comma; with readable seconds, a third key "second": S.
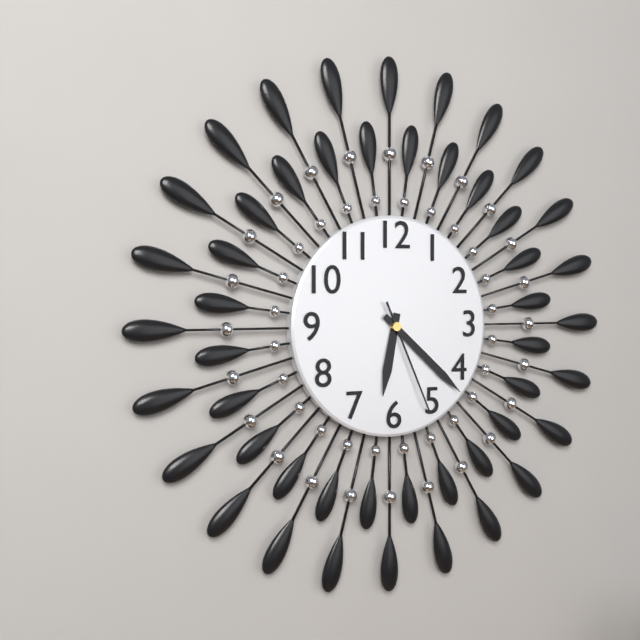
{"hour": 6, "minute": 22, "second": 26}
